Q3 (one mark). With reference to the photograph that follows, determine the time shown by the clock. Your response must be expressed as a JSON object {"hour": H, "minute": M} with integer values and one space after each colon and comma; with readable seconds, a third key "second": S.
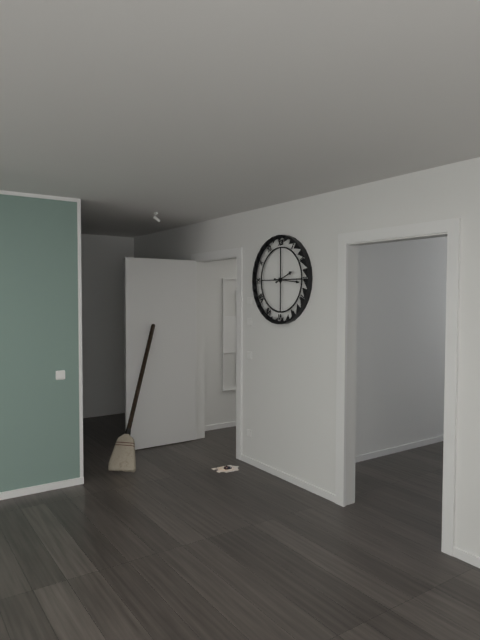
{"hour": 2, "minute": 16}
